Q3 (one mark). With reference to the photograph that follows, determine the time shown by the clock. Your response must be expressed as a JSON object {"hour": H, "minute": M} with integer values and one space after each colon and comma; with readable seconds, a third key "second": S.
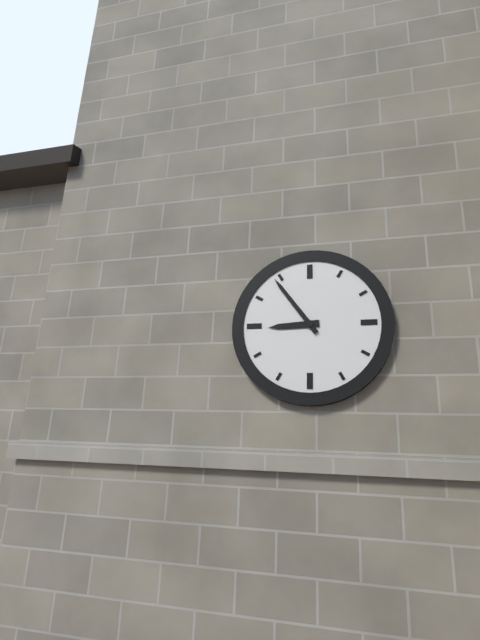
{"hour": 8, "minute": 54}
